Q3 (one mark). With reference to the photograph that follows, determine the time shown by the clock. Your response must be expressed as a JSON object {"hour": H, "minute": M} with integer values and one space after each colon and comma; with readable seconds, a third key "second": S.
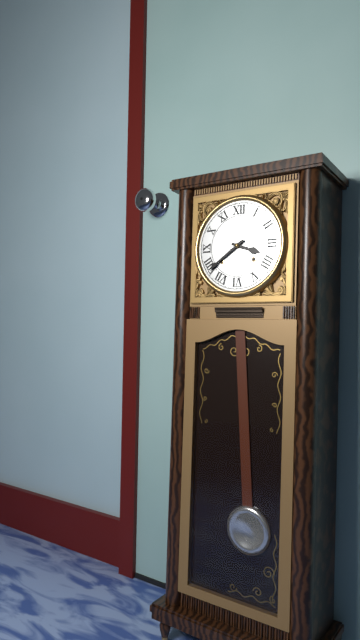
{"hour": 3, "minute": 39}
